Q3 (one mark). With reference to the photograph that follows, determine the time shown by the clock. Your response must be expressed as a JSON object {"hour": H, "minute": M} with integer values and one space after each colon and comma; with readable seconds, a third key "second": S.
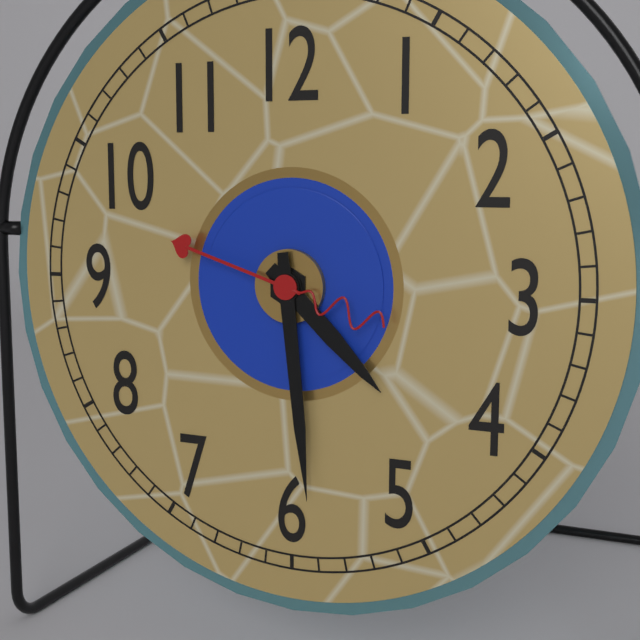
{"hour": 4, "minute": 29, "second": 48}
